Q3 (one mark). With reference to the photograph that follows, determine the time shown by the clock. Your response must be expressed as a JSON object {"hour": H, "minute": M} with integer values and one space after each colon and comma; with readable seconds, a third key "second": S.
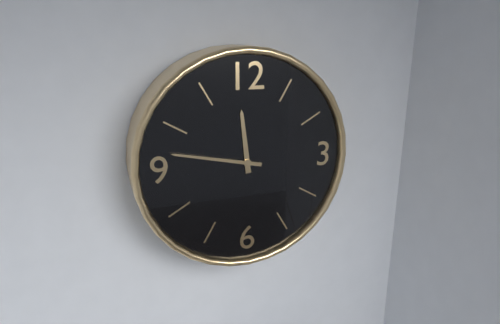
{"hour": 11, "minute": 47}
